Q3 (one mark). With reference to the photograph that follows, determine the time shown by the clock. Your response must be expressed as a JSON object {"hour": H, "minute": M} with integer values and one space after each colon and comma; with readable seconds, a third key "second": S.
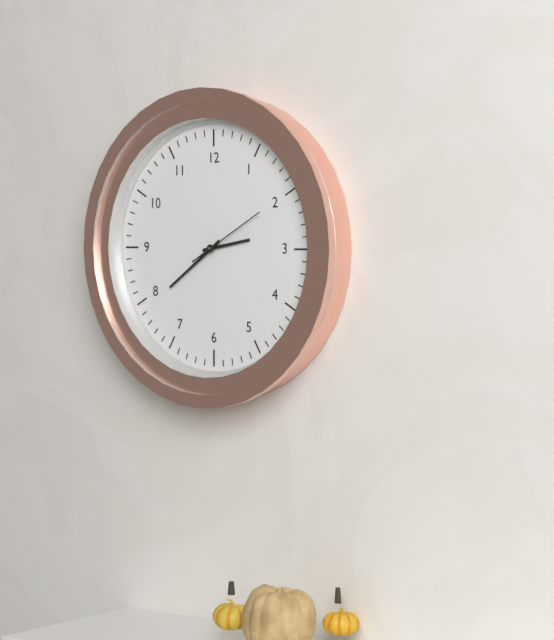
{"hour": 2, "minute": 39, "second": 10}
